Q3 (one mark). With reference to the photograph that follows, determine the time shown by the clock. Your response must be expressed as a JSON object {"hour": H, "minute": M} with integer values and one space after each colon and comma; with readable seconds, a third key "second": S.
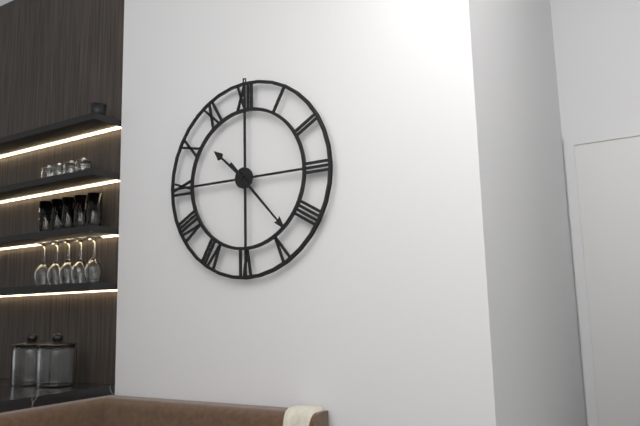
{"hour": 10, "minute": 23}
